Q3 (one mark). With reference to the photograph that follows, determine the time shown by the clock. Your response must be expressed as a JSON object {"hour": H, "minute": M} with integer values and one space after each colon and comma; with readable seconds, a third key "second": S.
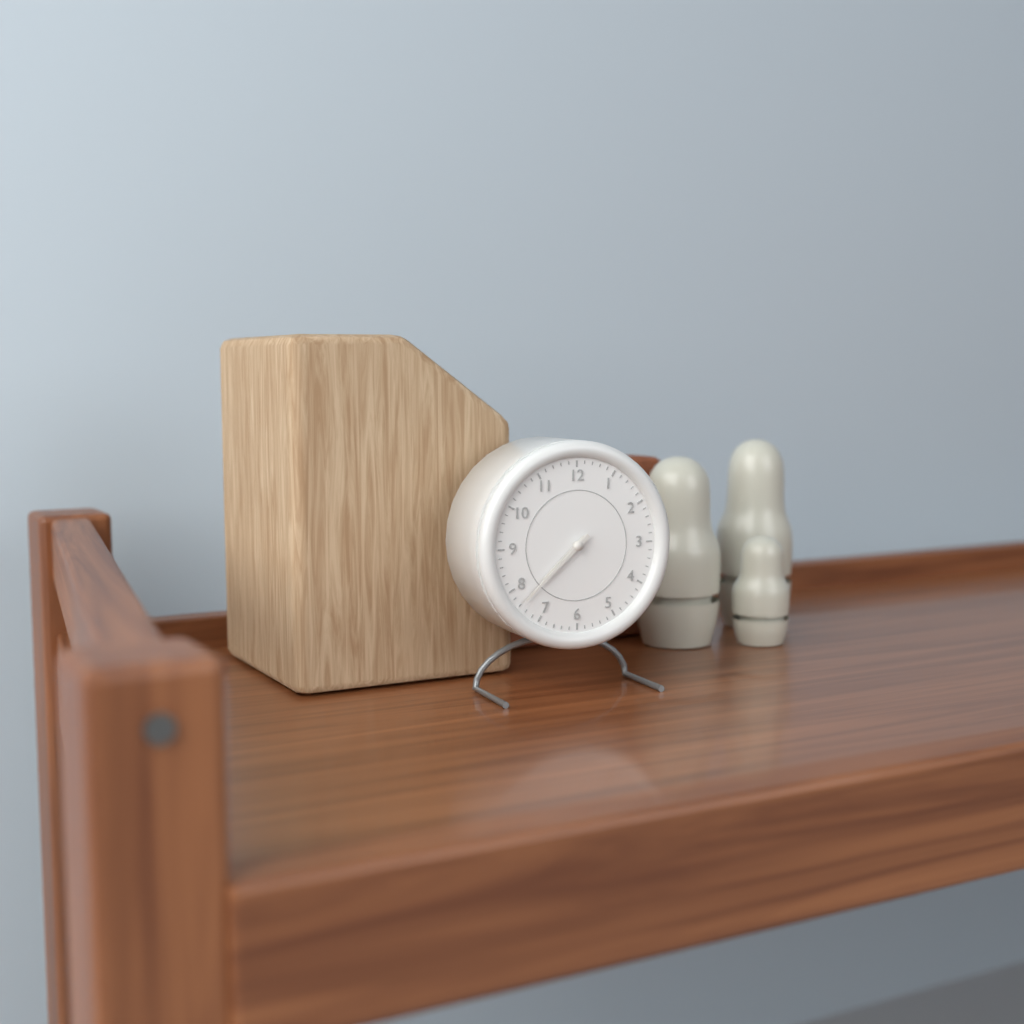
{"hour": 7, "minute": 38}
